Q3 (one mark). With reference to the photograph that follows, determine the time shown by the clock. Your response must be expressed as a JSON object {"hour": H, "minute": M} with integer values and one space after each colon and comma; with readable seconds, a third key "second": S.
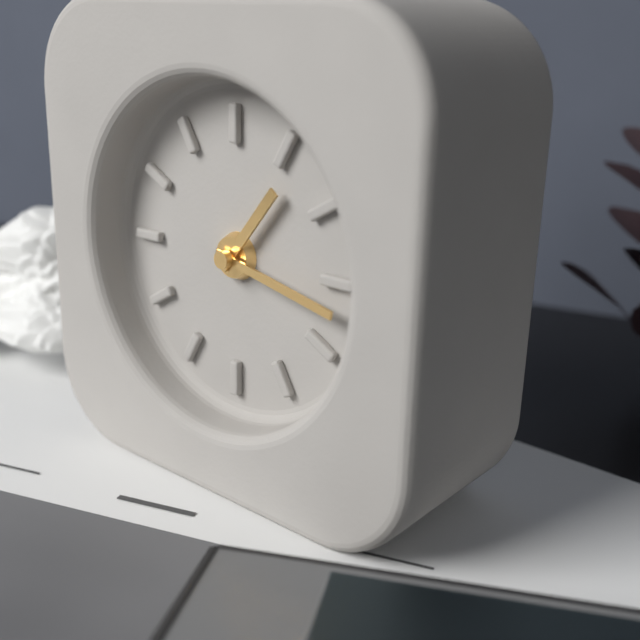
{"hour": 1, "minute": 17}
